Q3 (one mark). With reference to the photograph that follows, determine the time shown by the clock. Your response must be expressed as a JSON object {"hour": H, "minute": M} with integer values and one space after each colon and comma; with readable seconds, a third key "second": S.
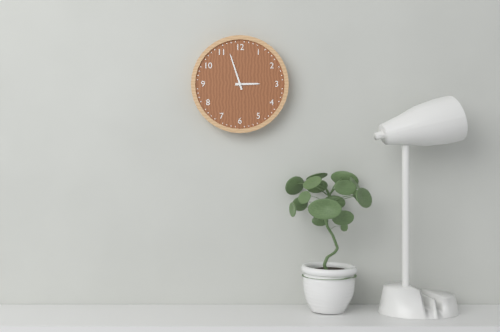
{"hour": 2, "minute": 57}
